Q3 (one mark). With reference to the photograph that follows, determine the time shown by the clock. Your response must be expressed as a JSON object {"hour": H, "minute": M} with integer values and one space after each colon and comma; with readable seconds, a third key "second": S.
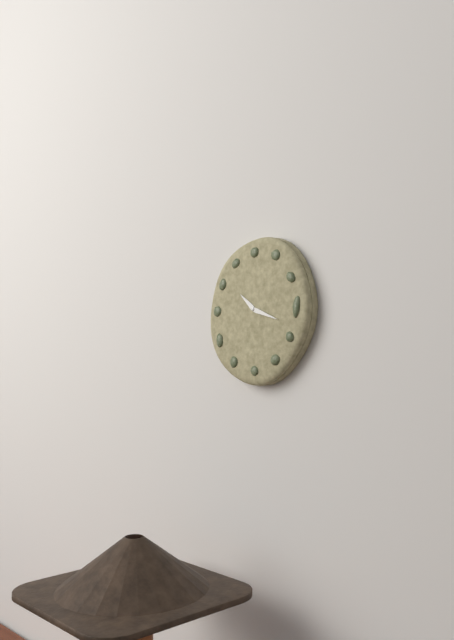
{"hour": 10, "minute": 18}
